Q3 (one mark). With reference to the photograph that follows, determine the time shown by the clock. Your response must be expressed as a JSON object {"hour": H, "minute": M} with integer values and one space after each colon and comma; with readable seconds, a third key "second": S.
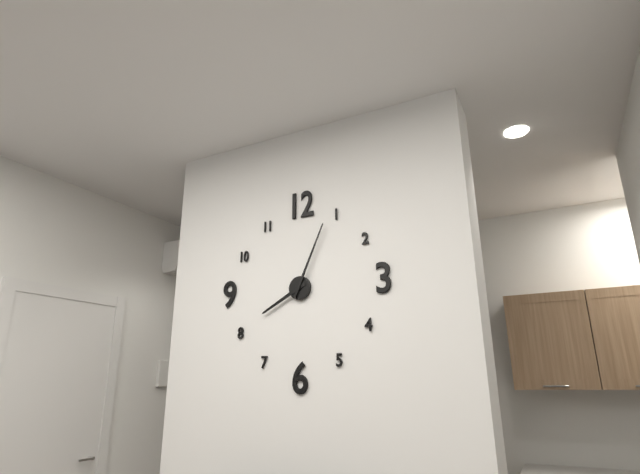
{"hour": 8, "minute": 4}
